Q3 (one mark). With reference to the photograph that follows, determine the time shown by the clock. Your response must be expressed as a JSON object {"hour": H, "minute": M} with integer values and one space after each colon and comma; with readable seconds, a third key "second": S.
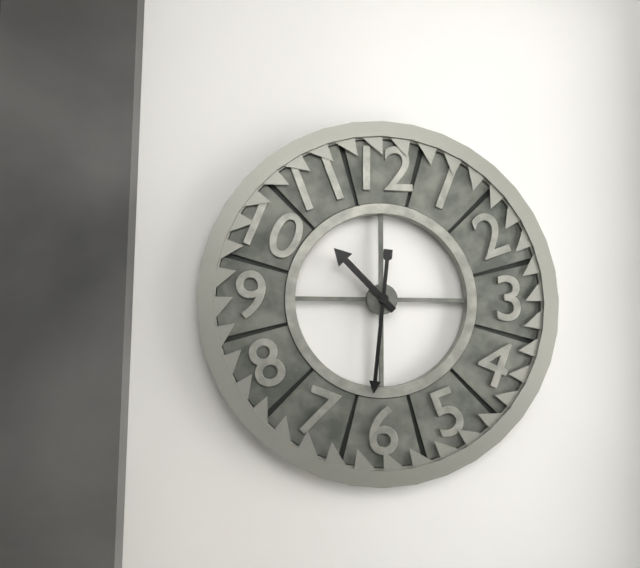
{"hour": 10, "minute": 31}
